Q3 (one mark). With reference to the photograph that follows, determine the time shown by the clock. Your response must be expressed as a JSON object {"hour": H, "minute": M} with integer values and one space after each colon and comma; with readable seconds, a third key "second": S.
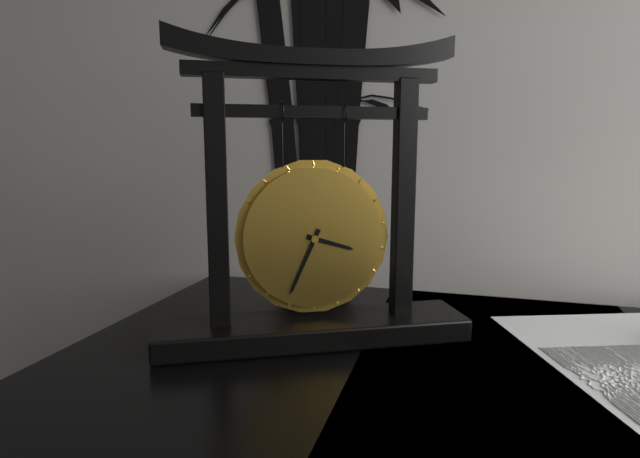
{"hour": 3, "minute": 34}
